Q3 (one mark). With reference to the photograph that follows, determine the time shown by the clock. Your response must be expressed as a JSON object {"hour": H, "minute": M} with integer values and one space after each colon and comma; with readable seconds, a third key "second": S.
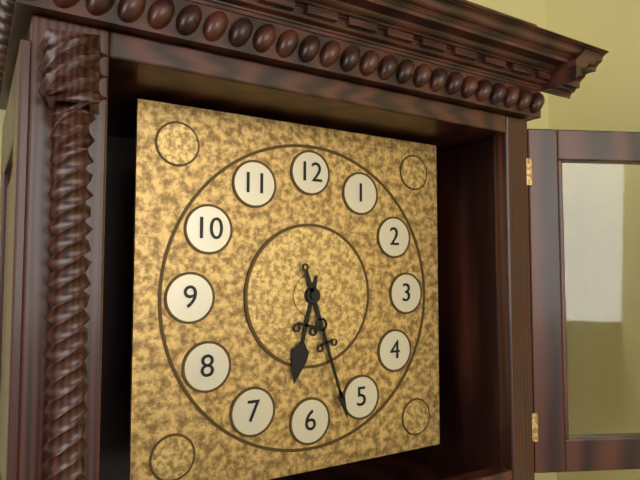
{"hour": 6, "minute": 27}
